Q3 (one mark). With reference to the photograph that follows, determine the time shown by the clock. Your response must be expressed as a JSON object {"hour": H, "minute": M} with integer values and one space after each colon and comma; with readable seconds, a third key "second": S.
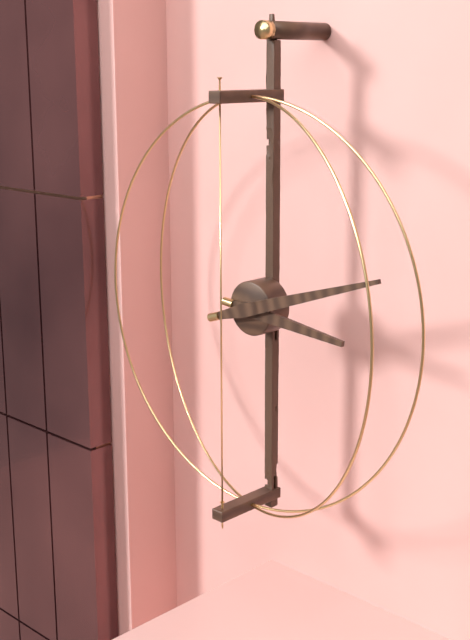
{"hour": 3, "minute": 12}
